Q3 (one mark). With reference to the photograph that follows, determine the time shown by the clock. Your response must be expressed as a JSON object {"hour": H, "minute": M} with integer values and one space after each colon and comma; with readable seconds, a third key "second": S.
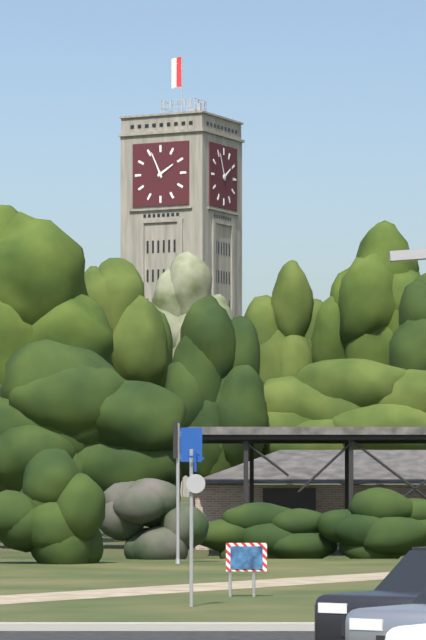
{"hour": 1, "minute": 56}
